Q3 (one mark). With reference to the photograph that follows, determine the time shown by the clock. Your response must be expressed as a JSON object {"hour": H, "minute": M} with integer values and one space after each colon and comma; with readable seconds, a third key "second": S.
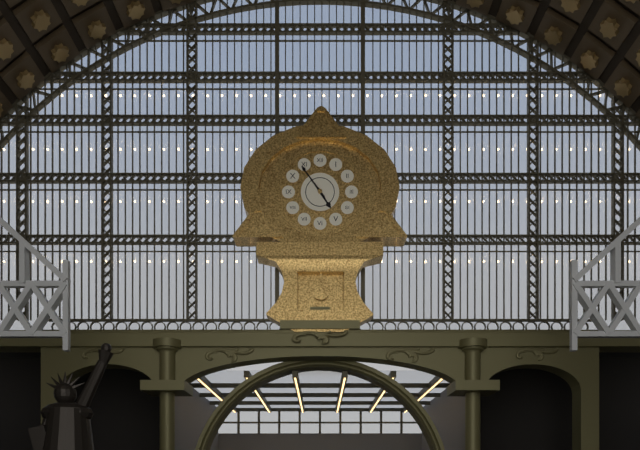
{"hour": 4, "minute": 54}
